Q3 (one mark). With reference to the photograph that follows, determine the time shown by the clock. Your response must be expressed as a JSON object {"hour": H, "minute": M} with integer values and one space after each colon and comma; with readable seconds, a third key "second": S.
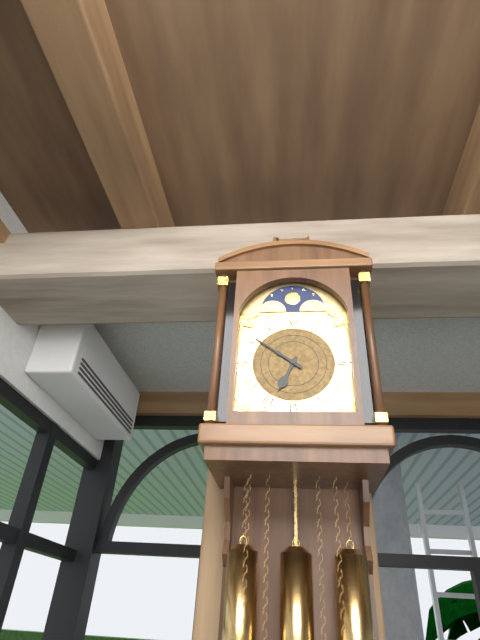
{"hour": 6, "minute": 51}
